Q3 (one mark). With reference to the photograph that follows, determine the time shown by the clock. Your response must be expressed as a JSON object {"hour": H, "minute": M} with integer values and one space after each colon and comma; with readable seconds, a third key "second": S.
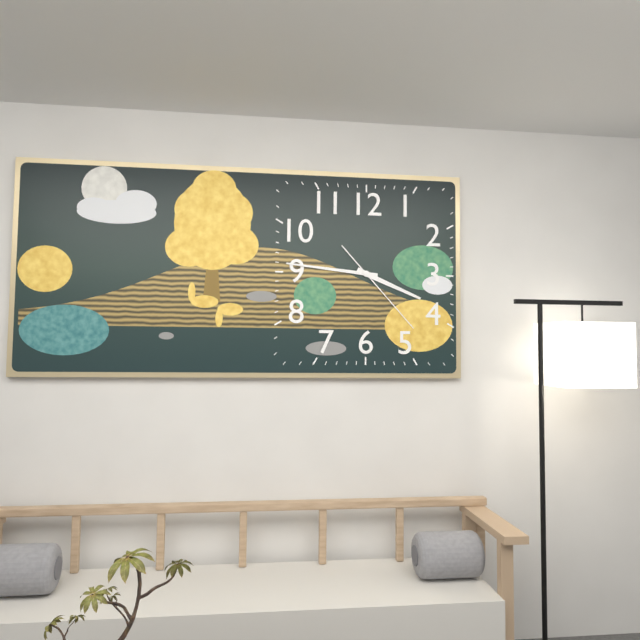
{"hour": 3, "minute": 46, "second": 23}
